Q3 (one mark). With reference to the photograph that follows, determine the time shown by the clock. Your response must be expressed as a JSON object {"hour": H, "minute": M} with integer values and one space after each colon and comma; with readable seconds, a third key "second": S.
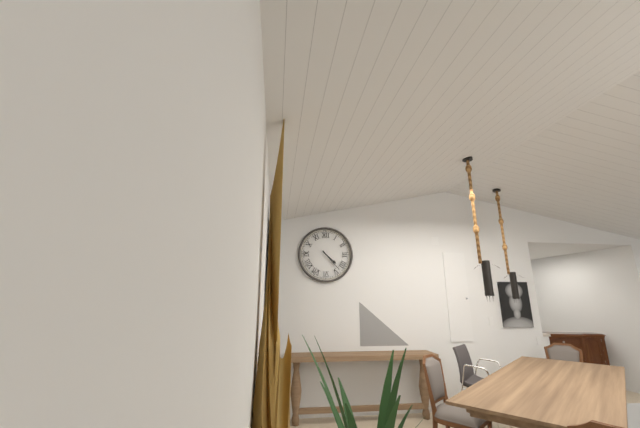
{"hour": 4, "minute": 23}
